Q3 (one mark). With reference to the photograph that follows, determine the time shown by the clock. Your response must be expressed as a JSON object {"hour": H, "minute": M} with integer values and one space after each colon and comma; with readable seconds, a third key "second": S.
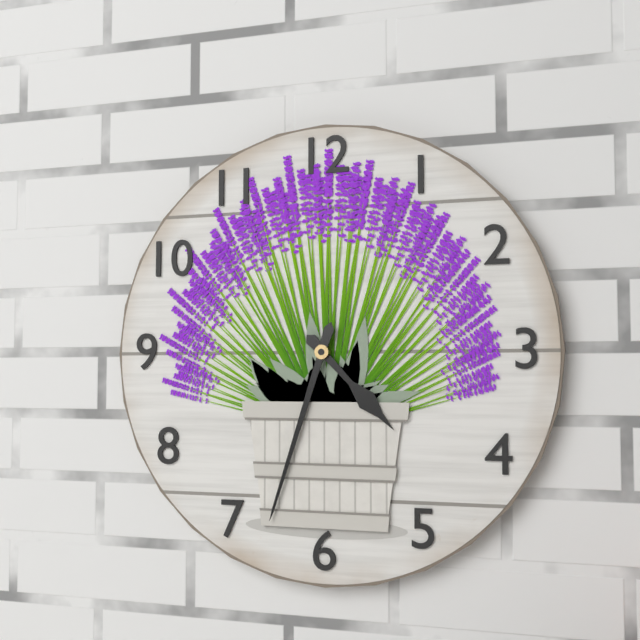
{"hour": 4, "minute": 33}
